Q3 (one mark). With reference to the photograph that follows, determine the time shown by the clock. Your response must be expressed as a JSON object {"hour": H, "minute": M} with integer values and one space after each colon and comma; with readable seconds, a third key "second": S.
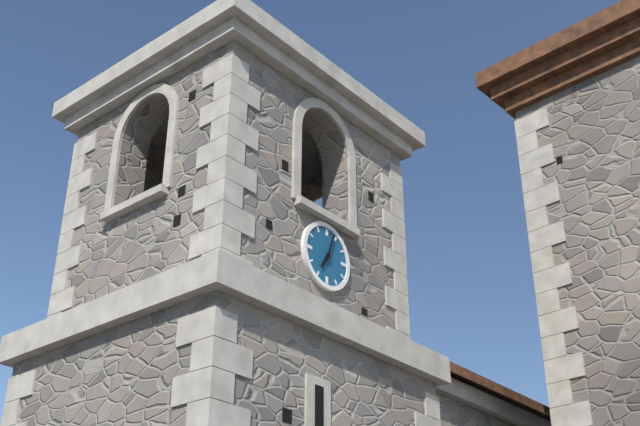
{"hour": 7, "minute": 3}
